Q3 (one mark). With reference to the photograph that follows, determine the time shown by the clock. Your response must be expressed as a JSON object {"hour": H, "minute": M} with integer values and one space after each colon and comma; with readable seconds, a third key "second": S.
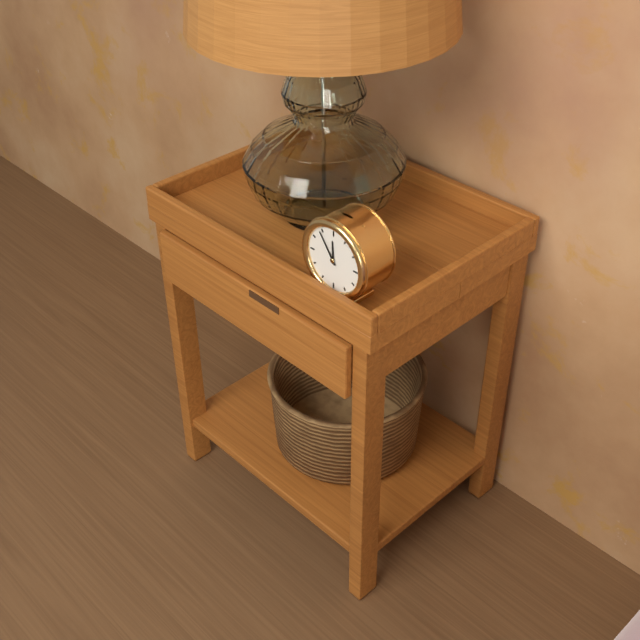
{"hour": 11, "minute": 54}
